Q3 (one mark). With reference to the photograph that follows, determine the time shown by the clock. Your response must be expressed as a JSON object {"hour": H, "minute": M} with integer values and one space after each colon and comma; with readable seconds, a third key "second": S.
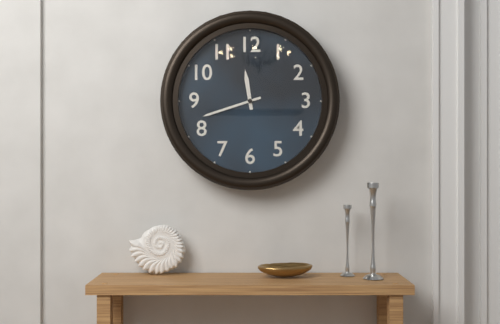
{"hour": 11, "minute": 42}
